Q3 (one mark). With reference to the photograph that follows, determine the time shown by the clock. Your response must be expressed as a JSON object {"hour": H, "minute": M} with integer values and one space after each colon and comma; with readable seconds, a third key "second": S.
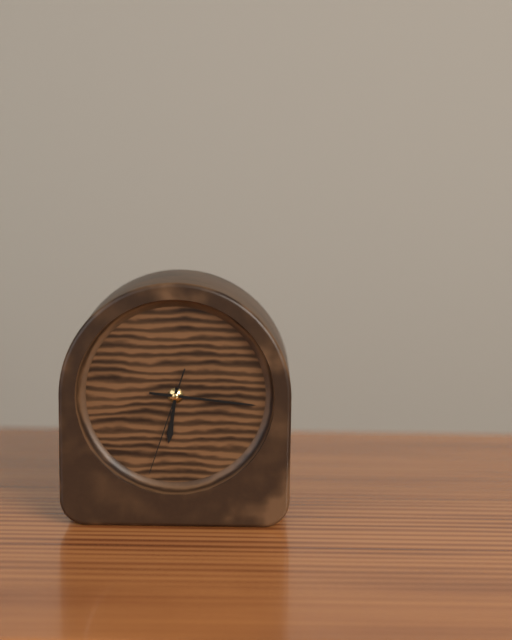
{"hour": 6, "minute": 16, "second": 33}
